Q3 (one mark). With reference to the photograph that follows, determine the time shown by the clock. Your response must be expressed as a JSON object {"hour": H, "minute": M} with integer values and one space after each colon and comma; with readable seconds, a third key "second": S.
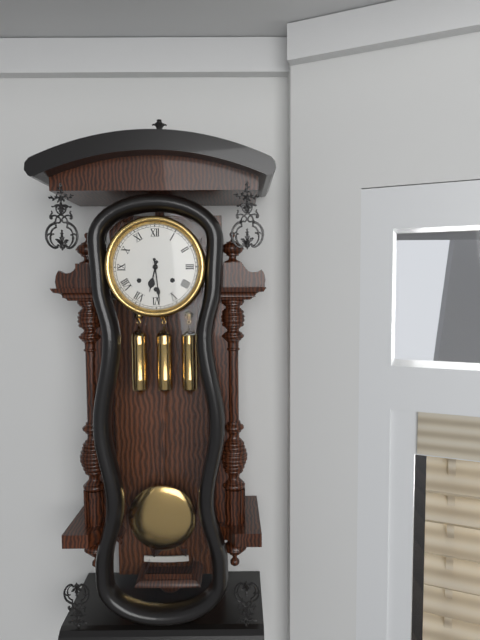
{"hour": 6, "minute": 29}
